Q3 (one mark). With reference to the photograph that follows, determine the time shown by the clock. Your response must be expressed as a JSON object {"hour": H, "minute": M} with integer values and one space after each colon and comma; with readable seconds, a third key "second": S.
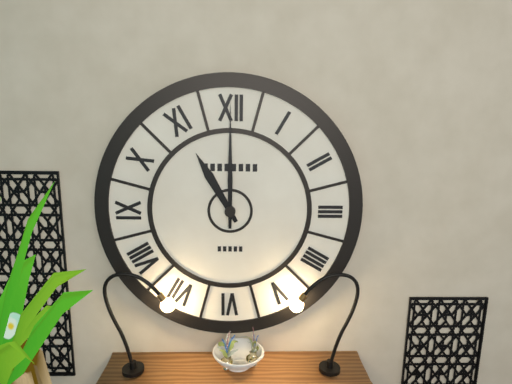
{"hour": 11, "minute": 0}
